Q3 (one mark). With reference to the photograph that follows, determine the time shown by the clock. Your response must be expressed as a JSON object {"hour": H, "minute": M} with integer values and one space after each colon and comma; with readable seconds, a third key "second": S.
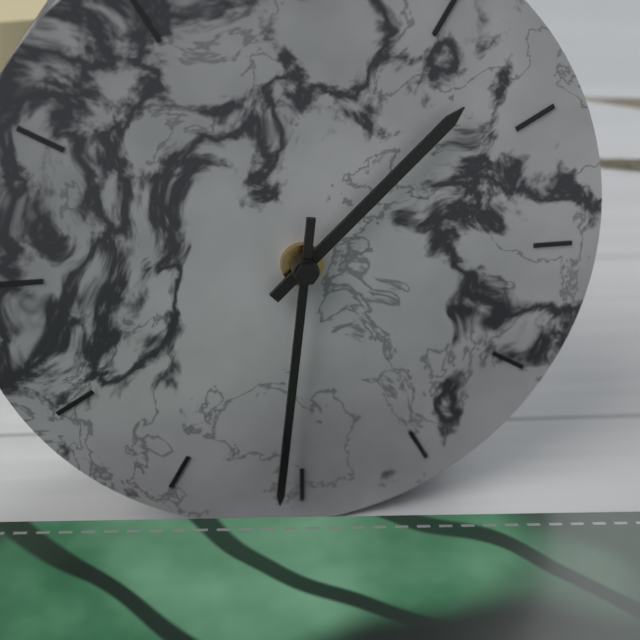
{"hour": 1, "minute": 31}
